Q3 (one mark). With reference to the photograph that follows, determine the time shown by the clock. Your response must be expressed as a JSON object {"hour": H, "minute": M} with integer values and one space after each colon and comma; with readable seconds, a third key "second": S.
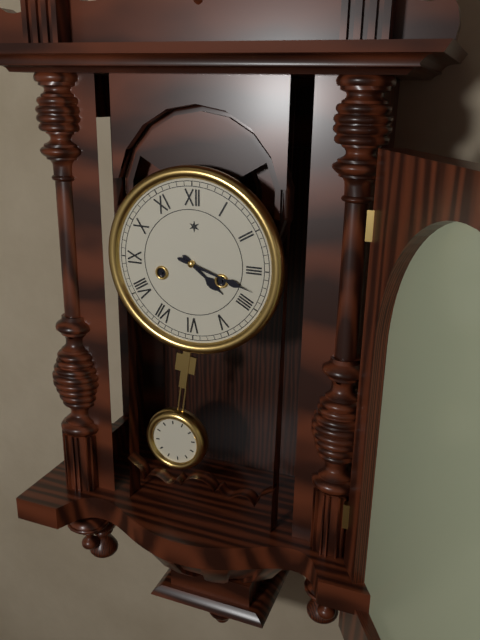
{"hour": 4, "minute": 18}
